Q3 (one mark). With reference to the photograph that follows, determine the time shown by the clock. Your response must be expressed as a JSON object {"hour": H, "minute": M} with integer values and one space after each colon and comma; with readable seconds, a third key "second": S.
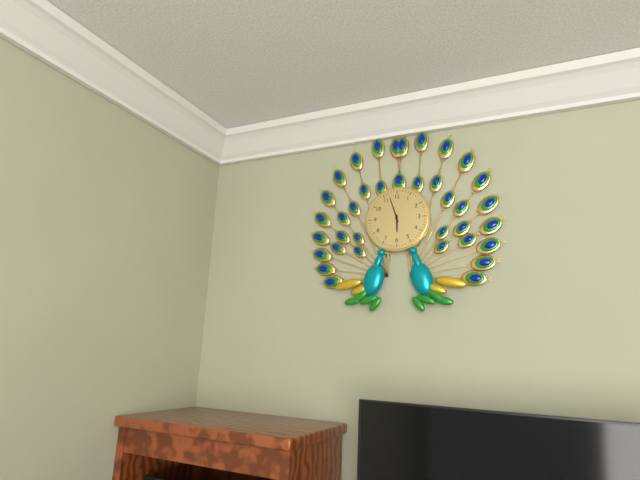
{"hour": 5, "minute": 57}
